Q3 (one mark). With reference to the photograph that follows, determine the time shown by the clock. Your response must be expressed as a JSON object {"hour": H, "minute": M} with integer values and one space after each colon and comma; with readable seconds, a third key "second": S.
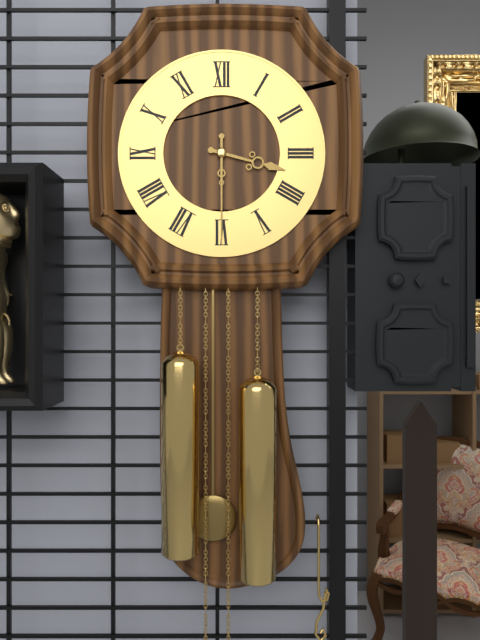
{"hour": 3, "minute": 30}
